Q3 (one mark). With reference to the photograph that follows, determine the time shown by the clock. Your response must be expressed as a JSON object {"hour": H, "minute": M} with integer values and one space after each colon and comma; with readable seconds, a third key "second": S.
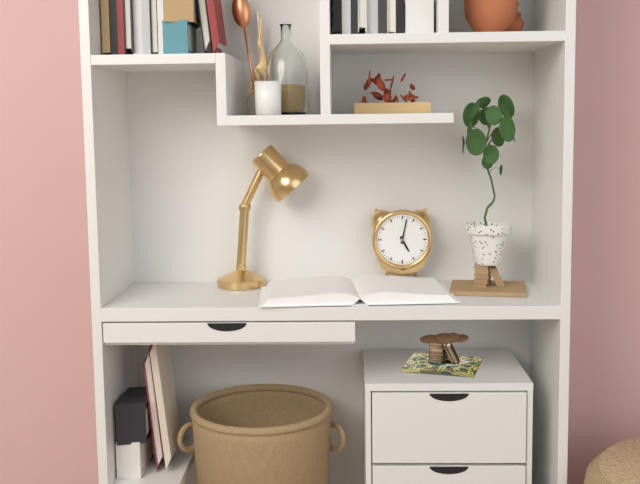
{"hour": 5, "minute": 2}
